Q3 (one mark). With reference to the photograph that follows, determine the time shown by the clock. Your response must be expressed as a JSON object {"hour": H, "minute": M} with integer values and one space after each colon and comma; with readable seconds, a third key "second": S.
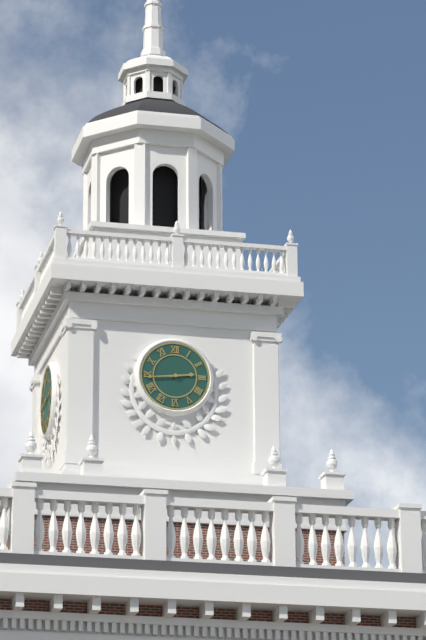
{"hour": 2, "minute": 44}
